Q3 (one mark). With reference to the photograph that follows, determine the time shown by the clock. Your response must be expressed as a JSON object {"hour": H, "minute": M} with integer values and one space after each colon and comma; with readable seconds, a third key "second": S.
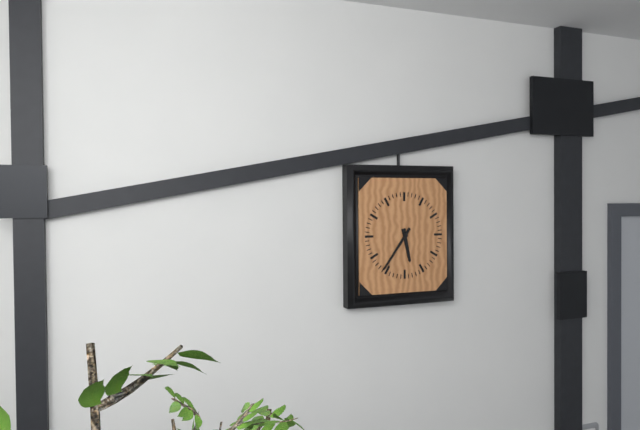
{"hour": 5, "minute": 36}
